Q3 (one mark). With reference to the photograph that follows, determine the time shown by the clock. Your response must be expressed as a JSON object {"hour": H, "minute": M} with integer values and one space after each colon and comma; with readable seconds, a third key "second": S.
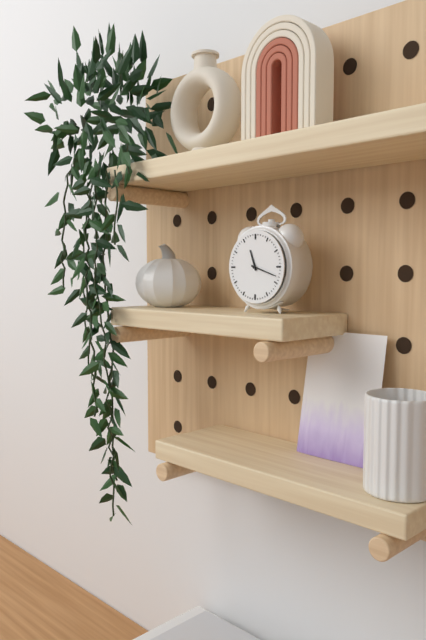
{"hour": 11, "minute": 18}
